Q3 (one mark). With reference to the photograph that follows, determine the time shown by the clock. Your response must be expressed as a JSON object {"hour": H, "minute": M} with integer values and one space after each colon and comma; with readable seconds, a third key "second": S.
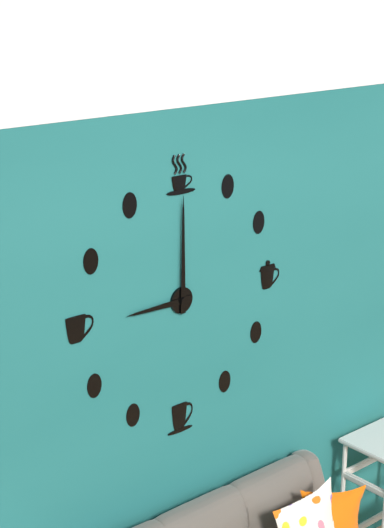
{"hour": 9, "minute": 0}
